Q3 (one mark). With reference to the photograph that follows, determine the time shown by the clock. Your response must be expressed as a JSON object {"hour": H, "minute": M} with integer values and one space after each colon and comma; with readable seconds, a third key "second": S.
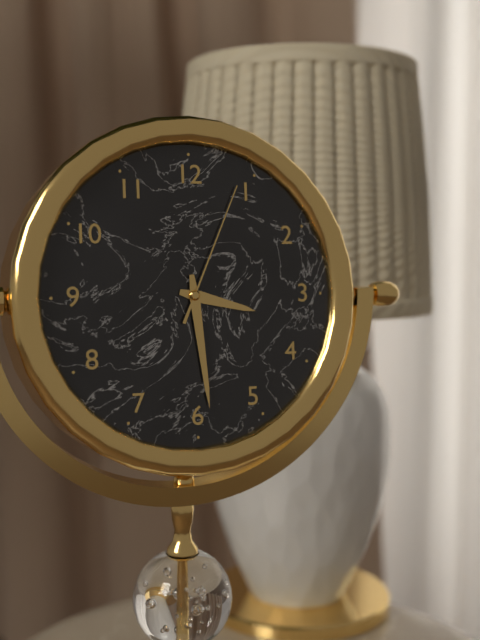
{"hour": 3, "minute": 29, "second": 4}
